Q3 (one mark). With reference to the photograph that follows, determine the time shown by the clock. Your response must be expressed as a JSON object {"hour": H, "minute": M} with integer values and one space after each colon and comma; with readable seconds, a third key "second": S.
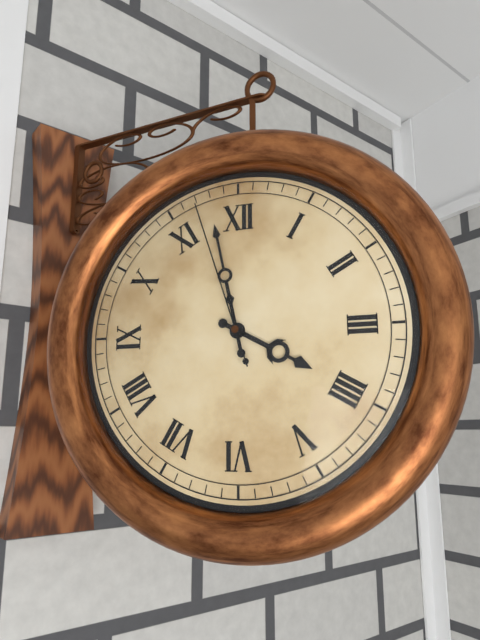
{"hour": 3, "minute": 58, "second": 57}
